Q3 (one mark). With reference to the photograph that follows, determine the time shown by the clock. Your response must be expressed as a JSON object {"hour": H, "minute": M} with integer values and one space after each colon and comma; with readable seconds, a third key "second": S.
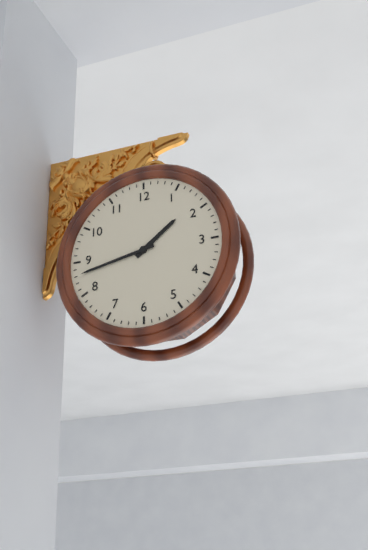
{"hour": 1, "minute": 43}
